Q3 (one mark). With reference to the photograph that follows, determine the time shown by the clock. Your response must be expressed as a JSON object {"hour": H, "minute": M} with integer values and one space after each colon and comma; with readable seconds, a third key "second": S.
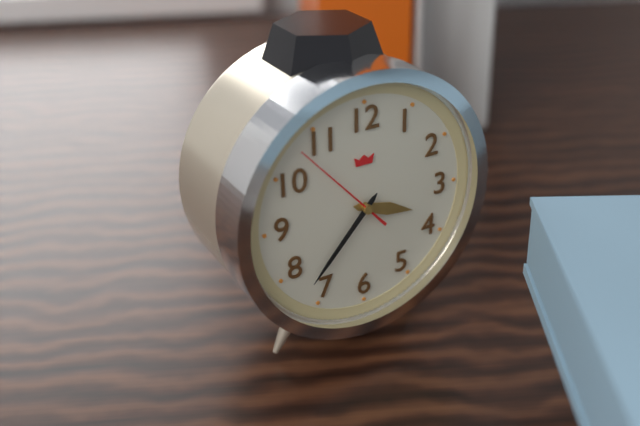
{"hour": 3, "minute": 37, "second": 53}
